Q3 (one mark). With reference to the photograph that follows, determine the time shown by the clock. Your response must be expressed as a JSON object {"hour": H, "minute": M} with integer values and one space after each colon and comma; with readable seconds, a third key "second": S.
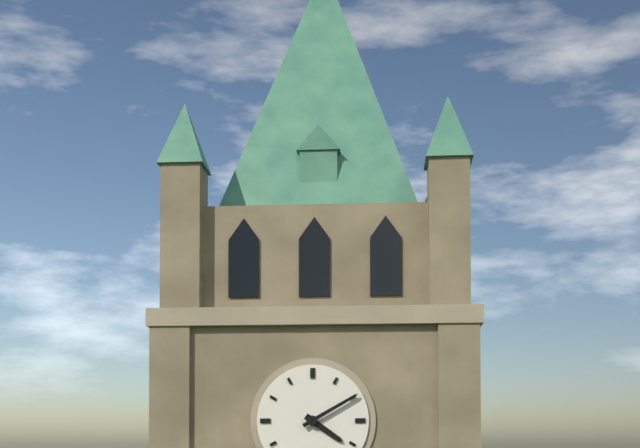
{"hour": 4, "minute": 10}
